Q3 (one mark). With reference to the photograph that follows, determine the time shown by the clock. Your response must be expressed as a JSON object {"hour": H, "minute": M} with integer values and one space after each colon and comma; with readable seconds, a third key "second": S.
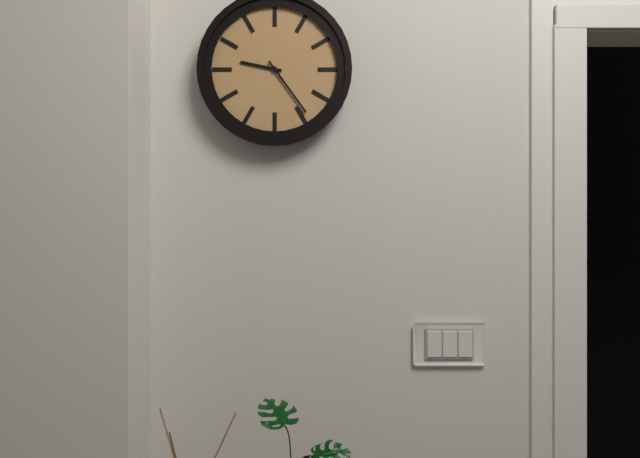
{"hour": 9, "minute": 24}
